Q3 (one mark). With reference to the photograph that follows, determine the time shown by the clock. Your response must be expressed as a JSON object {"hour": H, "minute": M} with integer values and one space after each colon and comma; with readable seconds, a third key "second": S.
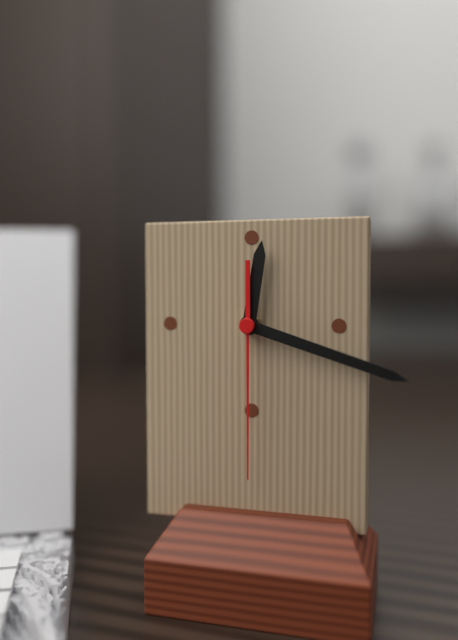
{"hour": 12, "minute": 18, "second": 30}
